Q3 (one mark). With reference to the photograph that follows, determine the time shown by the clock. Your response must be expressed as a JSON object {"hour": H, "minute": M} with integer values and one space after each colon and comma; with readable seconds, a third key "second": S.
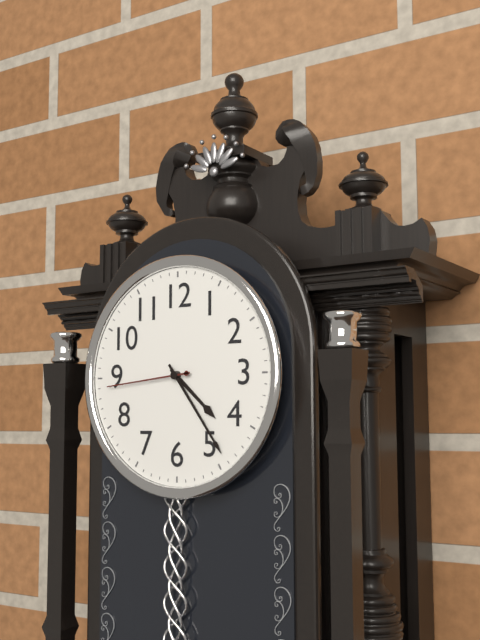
{"hour": 4, "minute": 24, "second": 44}
